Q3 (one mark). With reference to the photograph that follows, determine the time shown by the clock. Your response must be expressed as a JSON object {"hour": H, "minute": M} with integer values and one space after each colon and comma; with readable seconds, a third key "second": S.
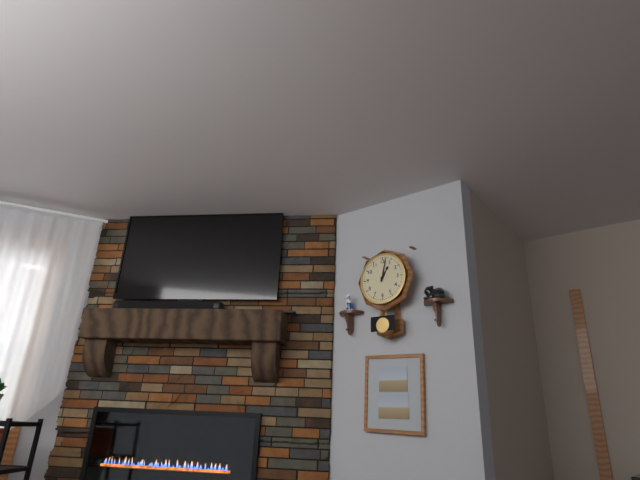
{"hour": 1, "minute": 2}
